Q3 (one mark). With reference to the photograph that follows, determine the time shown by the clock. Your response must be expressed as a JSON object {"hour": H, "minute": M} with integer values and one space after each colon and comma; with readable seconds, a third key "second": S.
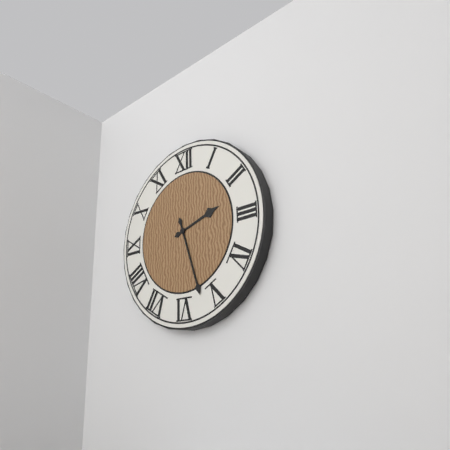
{"hour": 2, "minute": 27}
